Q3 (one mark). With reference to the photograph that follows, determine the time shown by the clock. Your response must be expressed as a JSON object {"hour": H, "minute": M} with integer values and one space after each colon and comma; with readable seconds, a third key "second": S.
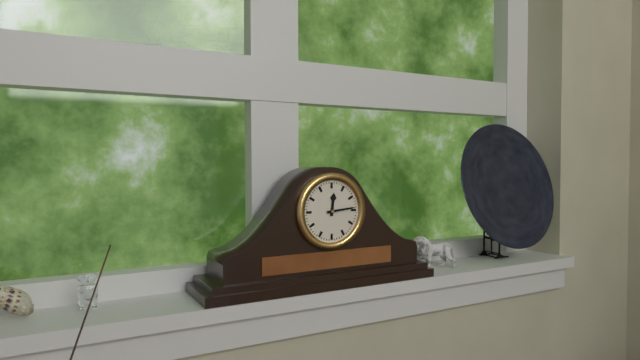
{"hour": 12, "minute": 14}
